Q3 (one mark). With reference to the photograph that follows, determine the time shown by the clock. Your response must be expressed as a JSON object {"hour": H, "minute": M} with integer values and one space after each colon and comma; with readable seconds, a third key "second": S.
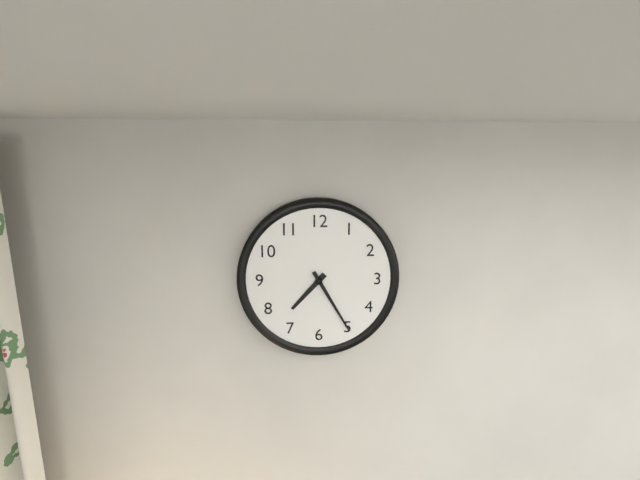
{"hour": 7, "minute": 25}
